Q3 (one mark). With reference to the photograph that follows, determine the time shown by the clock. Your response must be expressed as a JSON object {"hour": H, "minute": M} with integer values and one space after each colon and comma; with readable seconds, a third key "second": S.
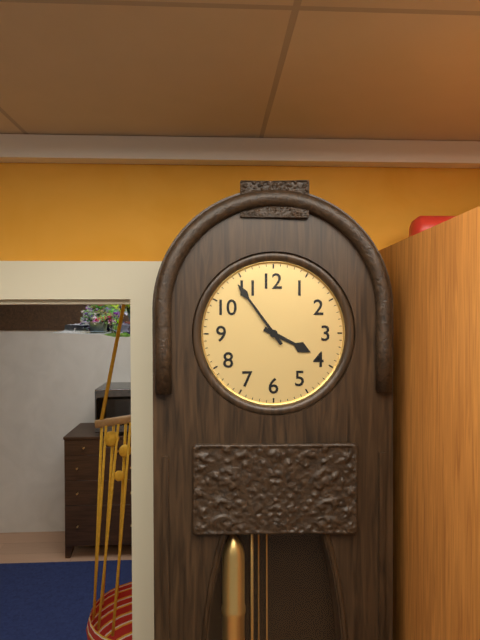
{"hour": 3, "minute": 54}
